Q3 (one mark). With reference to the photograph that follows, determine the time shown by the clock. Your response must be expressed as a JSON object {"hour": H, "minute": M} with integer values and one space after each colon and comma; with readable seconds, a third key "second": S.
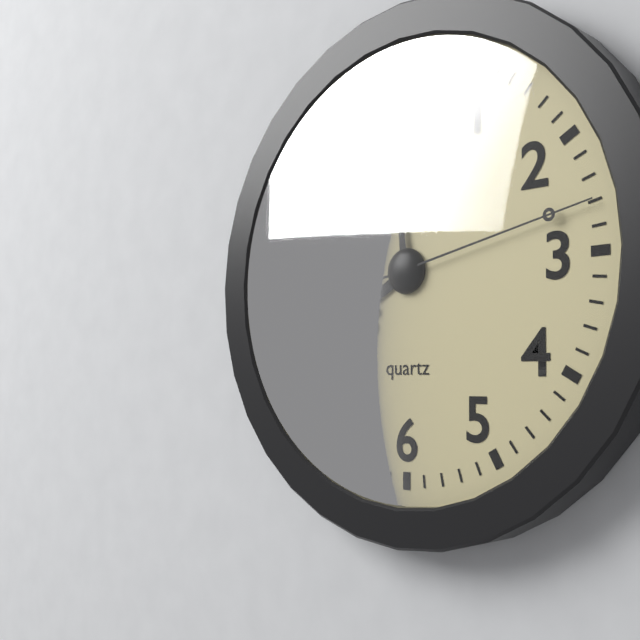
{"hour": 7, "minute": 59, "second": 13}
